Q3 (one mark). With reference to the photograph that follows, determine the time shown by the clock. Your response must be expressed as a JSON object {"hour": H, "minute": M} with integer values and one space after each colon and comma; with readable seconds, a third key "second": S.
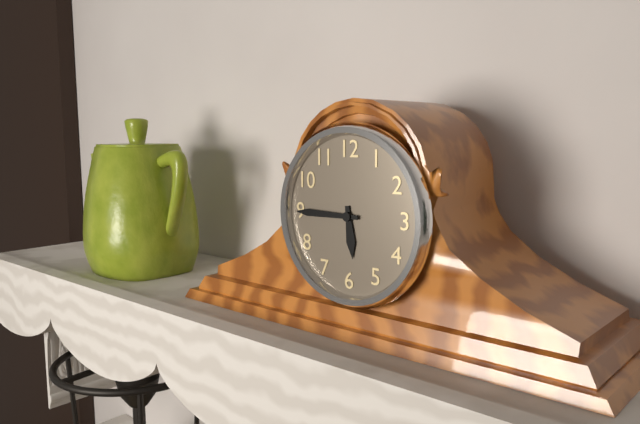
{"hour": 5, "minute": 45}
